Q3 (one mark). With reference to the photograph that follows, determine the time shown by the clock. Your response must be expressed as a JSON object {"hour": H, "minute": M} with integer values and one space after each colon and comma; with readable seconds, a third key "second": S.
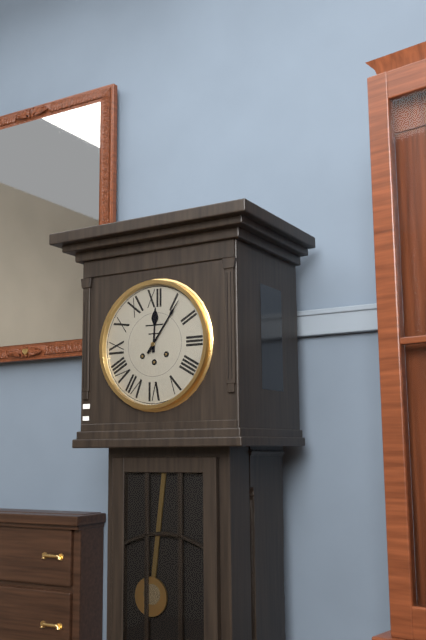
{"hour": 12, "minute": 6}
